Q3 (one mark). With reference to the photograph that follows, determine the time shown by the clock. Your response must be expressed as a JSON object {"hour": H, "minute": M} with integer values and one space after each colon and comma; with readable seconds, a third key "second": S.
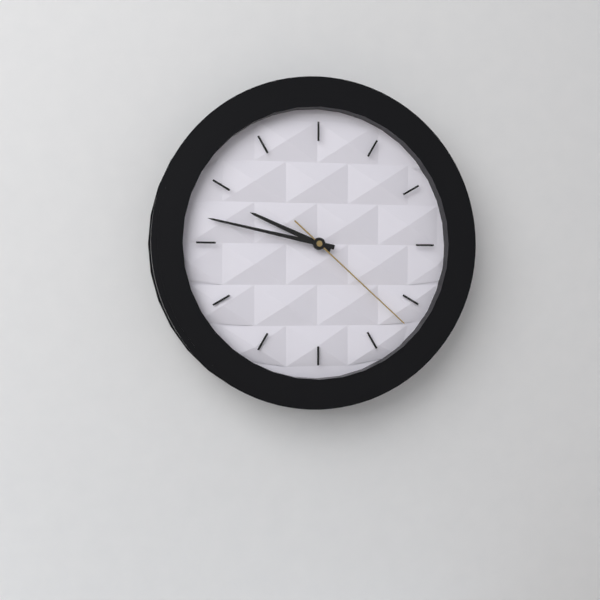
{"hour": 9, "minute": 47, "second": 22}
